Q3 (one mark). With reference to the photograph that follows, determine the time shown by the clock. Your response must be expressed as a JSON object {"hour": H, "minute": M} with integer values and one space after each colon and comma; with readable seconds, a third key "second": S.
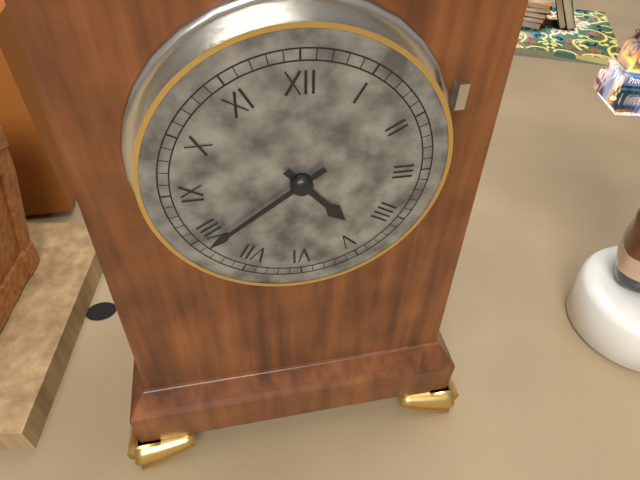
{"hour": 4, "minute": 39}
